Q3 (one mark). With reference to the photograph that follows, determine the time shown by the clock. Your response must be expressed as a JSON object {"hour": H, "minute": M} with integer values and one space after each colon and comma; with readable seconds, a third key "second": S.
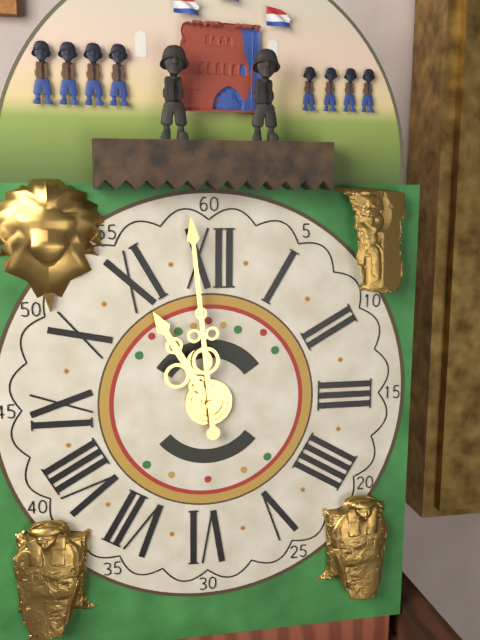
{"hour": 10, "minute": 59}
